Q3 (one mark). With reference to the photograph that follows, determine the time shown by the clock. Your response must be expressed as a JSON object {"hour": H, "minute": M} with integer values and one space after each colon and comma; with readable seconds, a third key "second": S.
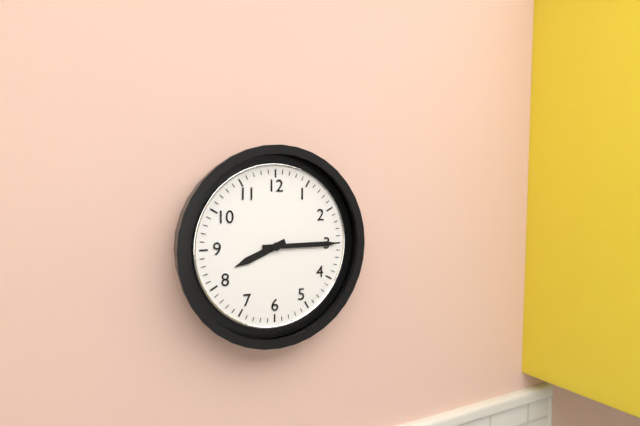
{"hour": 8, "minute": 15}
